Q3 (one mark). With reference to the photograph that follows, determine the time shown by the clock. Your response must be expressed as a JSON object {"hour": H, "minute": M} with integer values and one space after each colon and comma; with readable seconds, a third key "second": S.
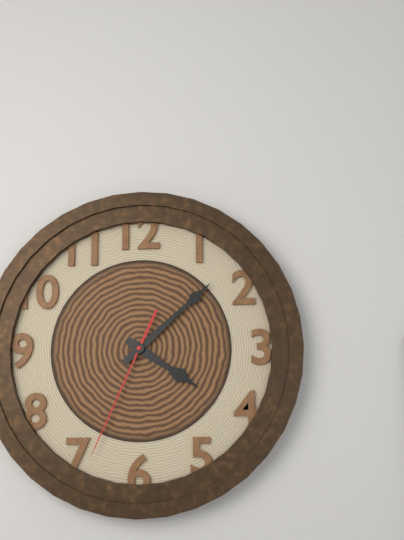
{"hour": 4, "minute": 8, "second": 34}
